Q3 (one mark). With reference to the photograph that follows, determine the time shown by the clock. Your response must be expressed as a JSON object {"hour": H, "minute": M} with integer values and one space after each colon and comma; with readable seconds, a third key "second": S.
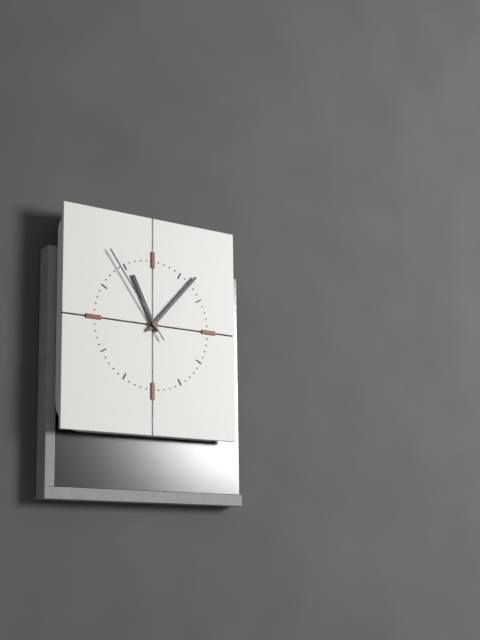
{"hour": 11, "minute": 7, "second": 54}
